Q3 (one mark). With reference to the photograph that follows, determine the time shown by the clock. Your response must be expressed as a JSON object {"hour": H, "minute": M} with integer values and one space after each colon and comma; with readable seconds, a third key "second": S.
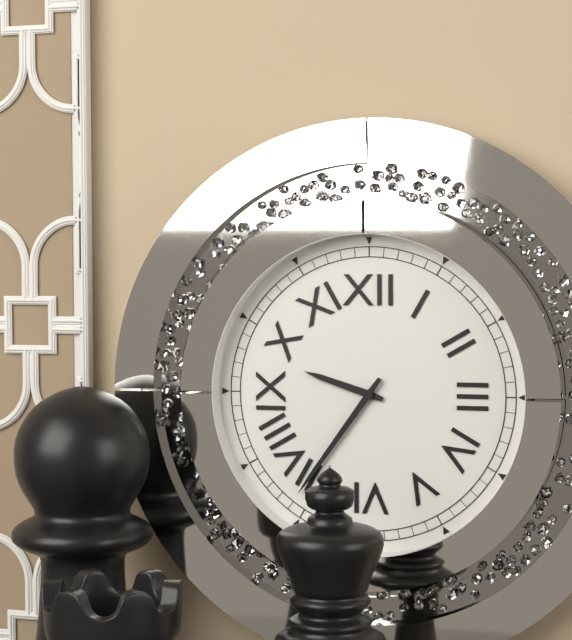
{"hour": 9, "minute": 36}
